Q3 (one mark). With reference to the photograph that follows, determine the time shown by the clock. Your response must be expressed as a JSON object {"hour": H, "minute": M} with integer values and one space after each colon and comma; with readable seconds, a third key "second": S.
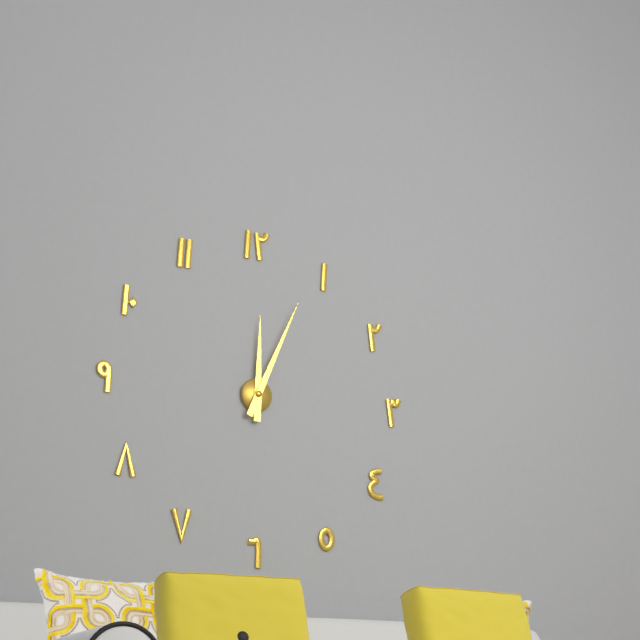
{"hour": 12, "minute": 4}
